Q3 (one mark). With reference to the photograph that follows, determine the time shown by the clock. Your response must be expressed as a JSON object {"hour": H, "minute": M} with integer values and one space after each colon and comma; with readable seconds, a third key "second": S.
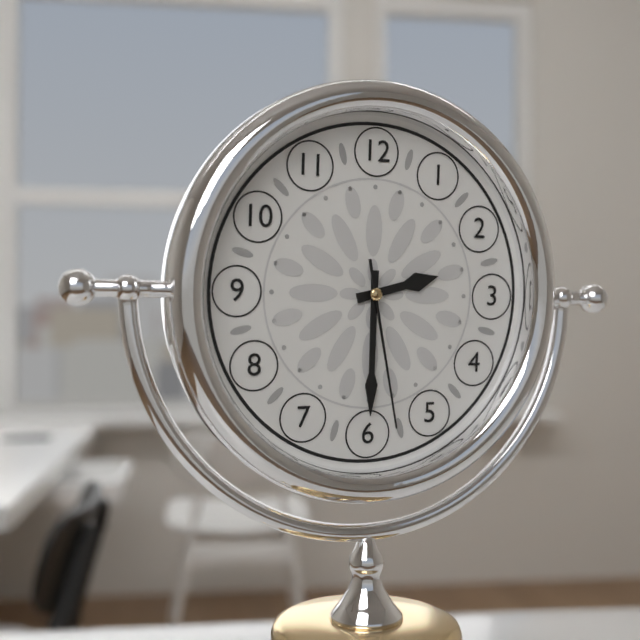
{"hour": 2, "minute": 30, "second": 28}
